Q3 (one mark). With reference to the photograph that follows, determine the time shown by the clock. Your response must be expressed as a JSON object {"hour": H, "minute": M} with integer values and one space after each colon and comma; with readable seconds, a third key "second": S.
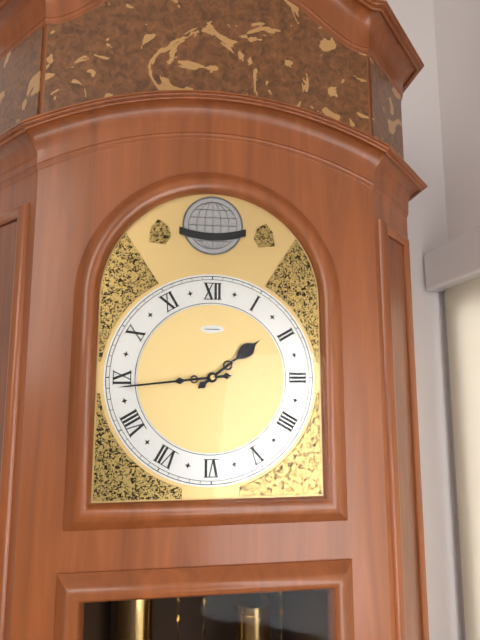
{"hour": 1, "minute": 44}
